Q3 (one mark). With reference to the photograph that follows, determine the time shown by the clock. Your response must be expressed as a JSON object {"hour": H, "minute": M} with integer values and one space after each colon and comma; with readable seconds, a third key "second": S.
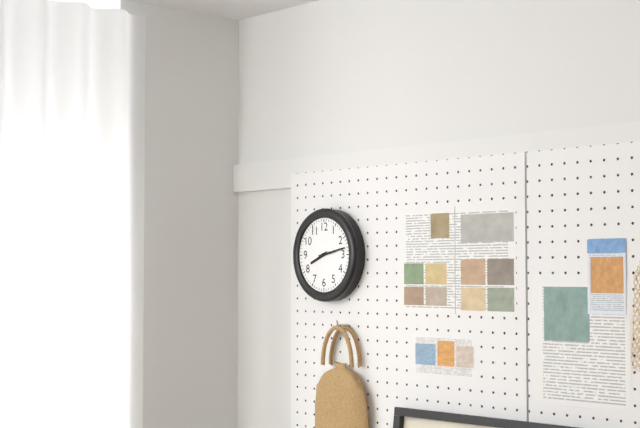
{"hour": 8, "minute": 13}
